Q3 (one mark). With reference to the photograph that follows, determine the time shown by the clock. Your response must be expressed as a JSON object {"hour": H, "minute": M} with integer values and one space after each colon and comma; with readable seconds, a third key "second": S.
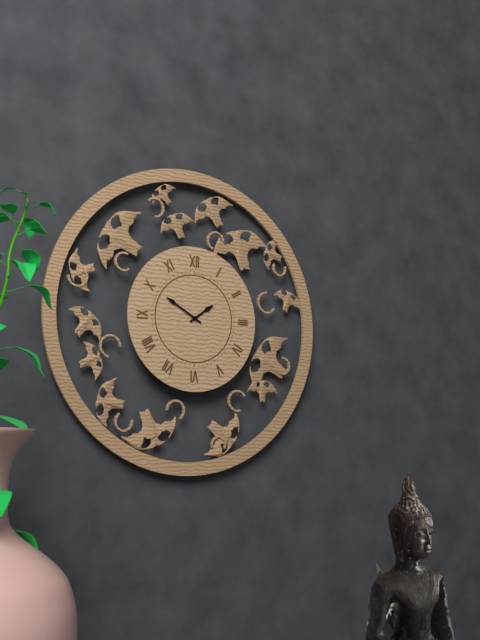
{"hour": 1, "minute": 50}
